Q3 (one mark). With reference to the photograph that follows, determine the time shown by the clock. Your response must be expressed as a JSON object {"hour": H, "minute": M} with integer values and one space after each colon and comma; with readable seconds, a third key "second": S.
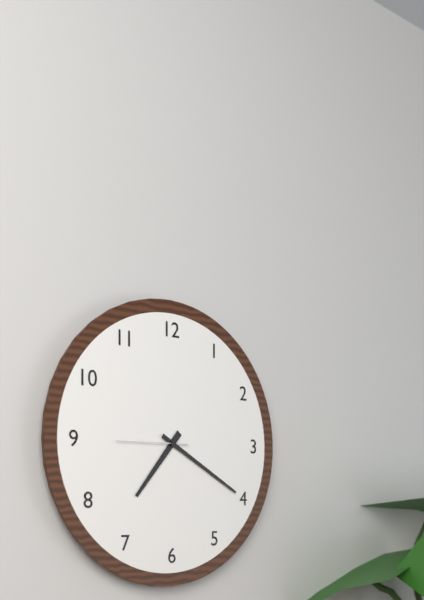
{"hour": 7, "minute": 20, "second": 45}
